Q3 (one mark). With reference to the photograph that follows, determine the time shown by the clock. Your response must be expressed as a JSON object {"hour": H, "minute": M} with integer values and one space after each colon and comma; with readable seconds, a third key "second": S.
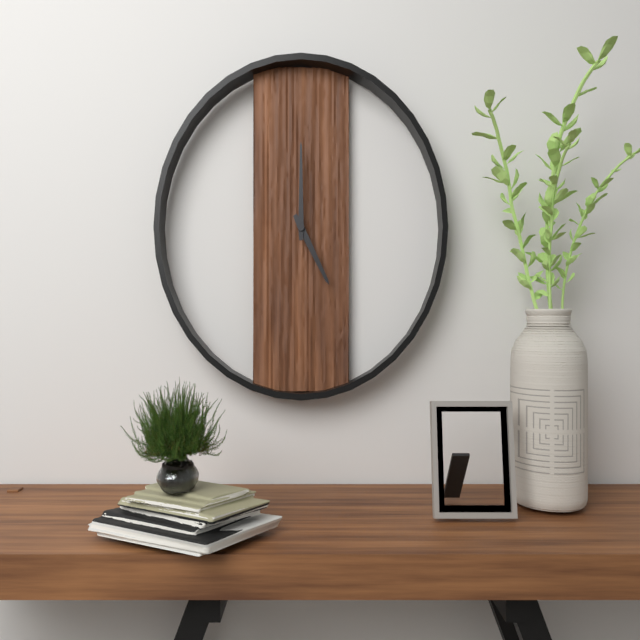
{"hour": 5, "minute": 0}
